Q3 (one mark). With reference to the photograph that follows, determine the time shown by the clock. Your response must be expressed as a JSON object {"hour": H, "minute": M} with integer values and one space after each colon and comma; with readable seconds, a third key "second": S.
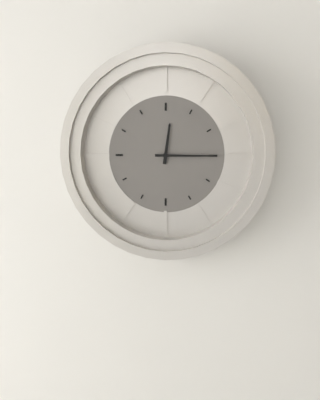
{"hour": 12, "minute": 15}
